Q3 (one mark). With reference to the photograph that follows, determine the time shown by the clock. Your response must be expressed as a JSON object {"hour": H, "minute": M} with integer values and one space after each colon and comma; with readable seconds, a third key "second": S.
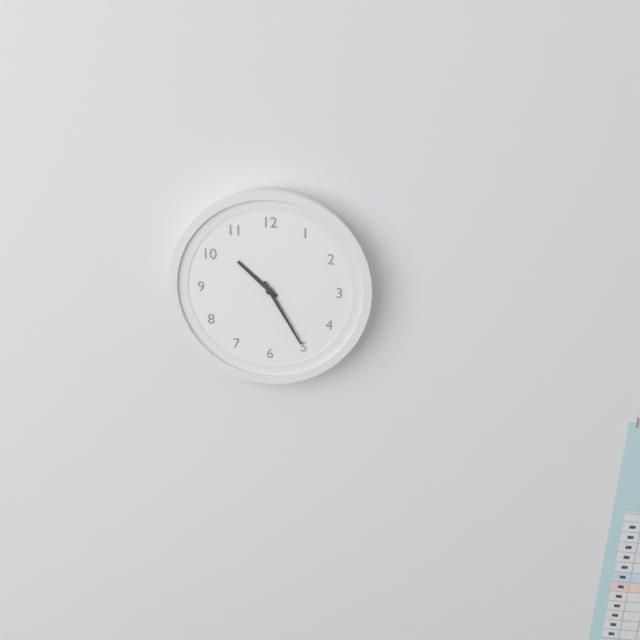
{"hour": 10, "minute": 25}
